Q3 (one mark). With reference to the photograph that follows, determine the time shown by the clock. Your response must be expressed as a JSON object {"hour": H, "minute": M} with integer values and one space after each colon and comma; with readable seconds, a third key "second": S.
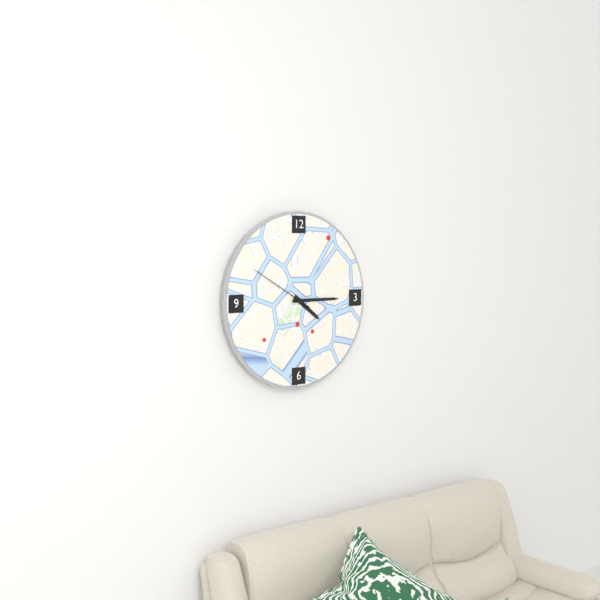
{"hour": 4, "minute": 15, "second": 50}
